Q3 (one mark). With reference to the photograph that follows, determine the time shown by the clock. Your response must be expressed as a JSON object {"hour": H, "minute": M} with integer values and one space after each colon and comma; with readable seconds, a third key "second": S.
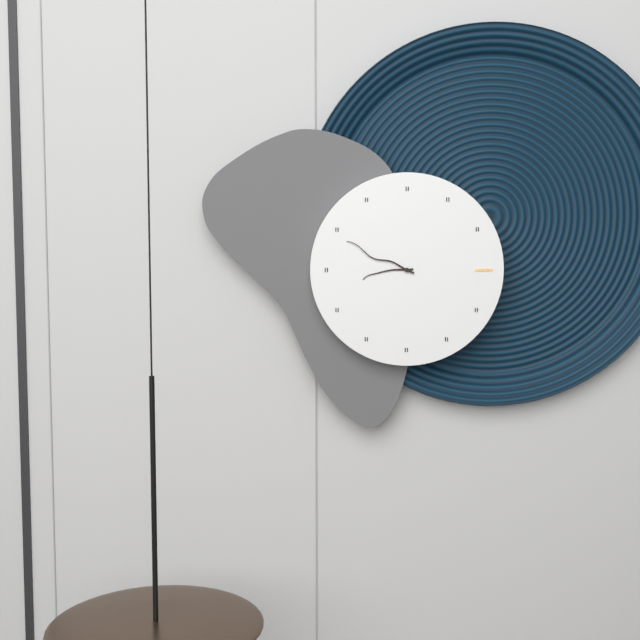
{"hour": 8, "minute": 49}
